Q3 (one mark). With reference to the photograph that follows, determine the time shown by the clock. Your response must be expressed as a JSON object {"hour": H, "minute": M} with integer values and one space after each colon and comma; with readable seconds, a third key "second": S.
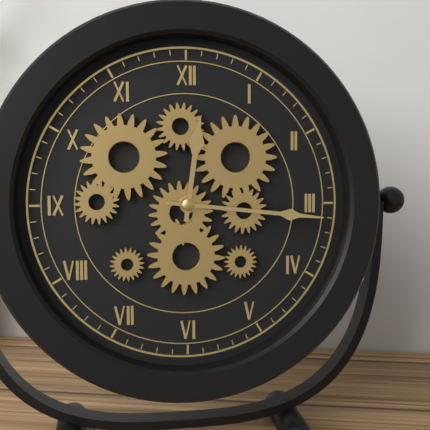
{"hour": 12, "minute": 16}
